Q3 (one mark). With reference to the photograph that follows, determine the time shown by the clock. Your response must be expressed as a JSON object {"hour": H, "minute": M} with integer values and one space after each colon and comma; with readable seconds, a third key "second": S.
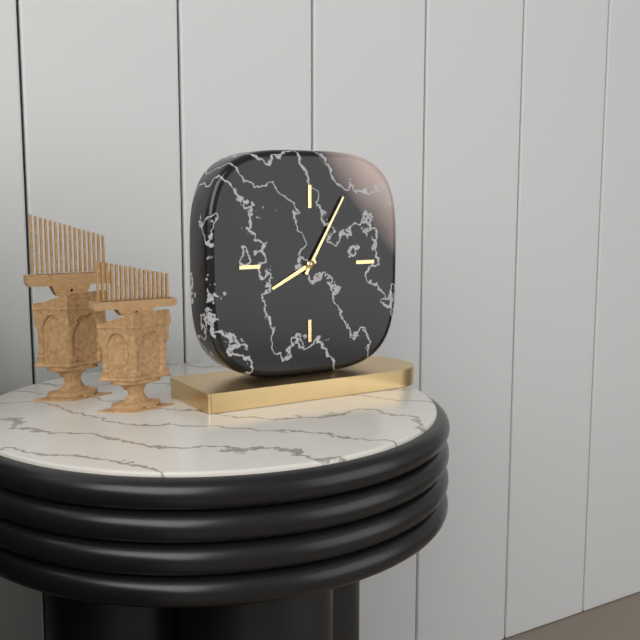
{"hour": 8, "minute": 5}
